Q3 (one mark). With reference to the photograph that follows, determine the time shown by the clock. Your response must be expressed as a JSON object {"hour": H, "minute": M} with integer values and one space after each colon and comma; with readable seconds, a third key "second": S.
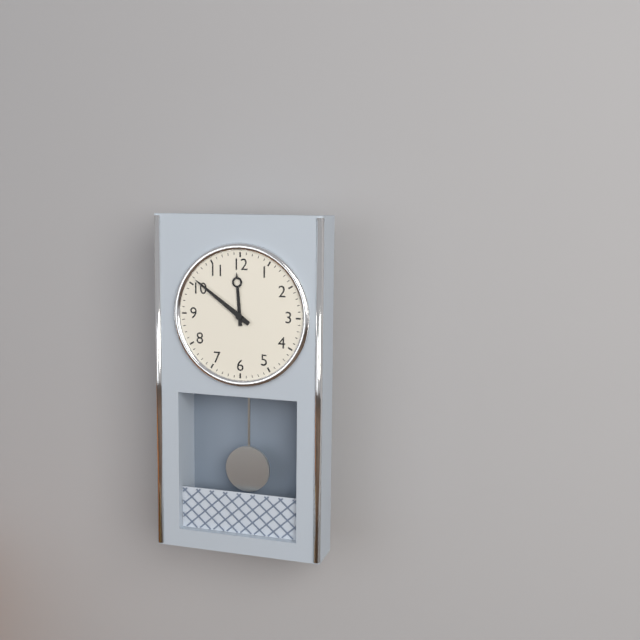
{"hour": 11, "minute": 51}
